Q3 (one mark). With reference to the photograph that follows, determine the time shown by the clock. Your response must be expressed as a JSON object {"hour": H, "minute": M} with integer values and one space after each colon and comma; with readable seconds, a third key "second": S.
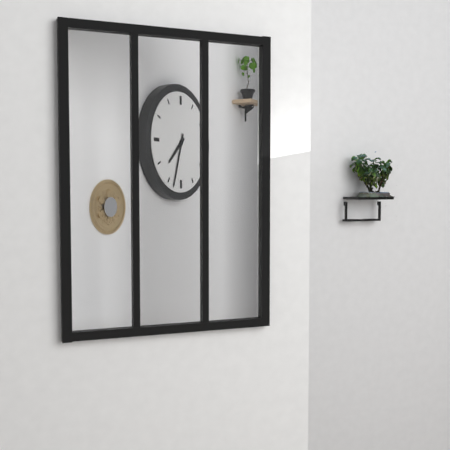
{"hour": 7, "minute": 33}
